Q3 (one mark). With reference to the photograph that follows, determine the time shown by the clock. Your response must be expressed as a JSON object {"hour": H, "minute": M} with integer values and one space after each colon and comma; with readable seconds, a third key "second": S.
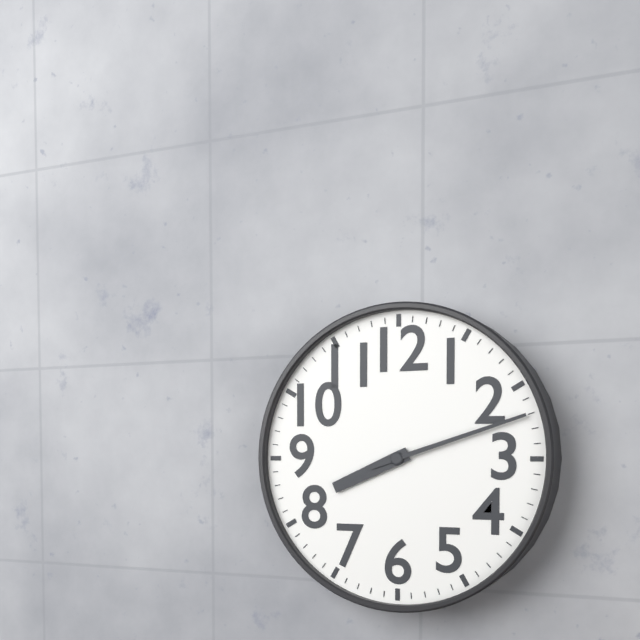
{"hour": 8, "minute": 12}
